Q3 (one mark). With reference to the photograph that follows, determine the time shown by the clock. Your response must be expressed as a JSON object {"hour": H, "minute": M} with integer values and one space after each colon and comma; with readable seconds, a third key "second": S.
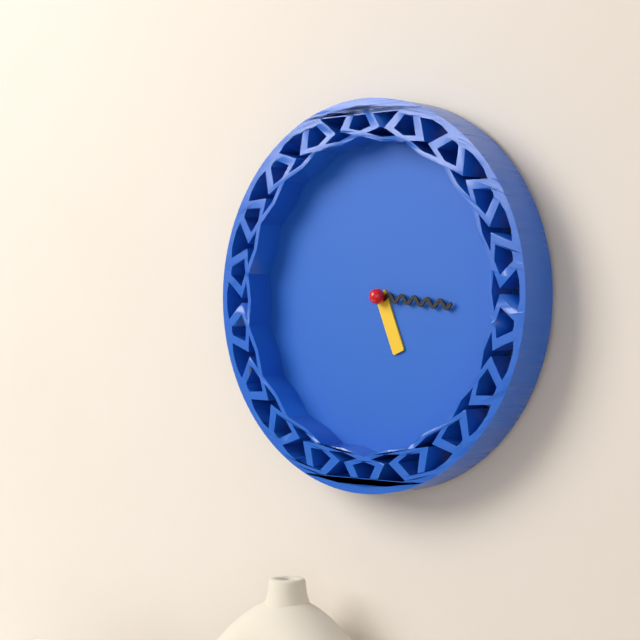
{"hour": 5, "minute": 16}
